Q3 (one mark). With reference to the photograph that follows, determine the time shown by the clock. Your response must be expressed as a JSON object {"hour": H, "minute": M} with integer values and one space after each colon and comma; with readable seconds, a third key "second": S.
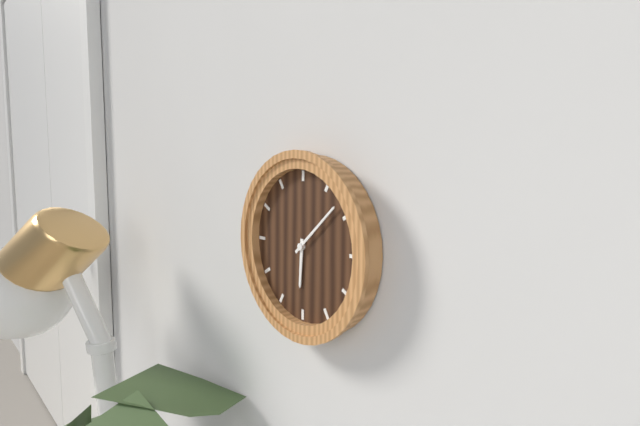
{"hour": 6, "minute": 8}
